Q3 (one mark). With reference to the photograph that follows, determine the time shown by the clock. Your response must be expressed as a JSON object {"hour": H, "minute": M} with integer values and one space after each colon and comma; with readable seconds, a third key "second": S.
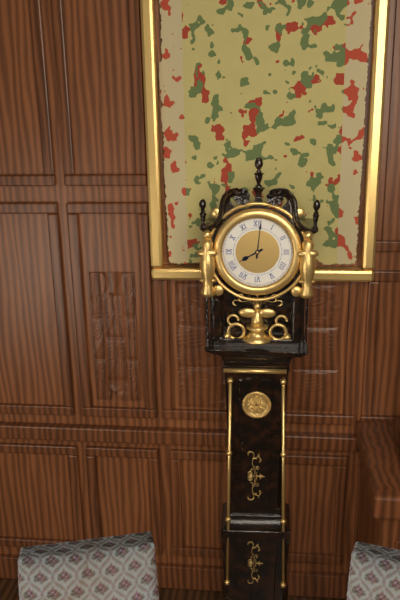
{"hour": 8, "minute": 1}
